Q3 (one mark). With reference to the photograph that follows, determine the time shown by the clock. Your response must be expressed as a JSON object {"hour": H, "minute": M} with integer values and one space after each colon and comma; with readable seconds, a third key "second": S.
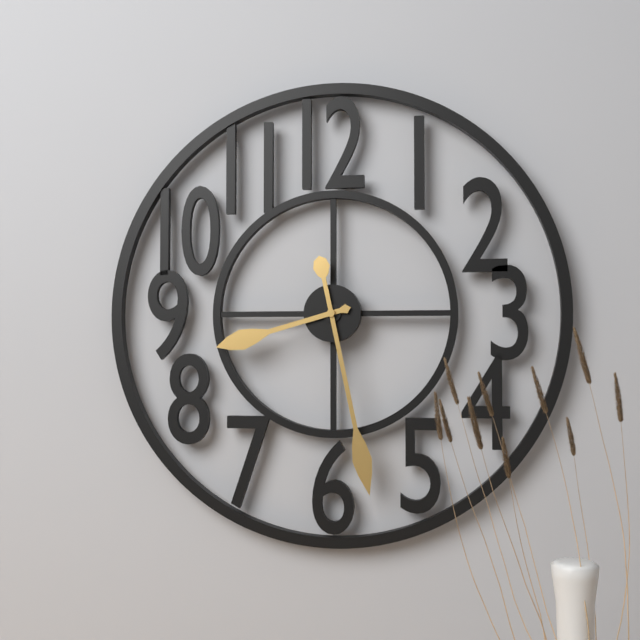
{"hour": 8, "minute": 28}
